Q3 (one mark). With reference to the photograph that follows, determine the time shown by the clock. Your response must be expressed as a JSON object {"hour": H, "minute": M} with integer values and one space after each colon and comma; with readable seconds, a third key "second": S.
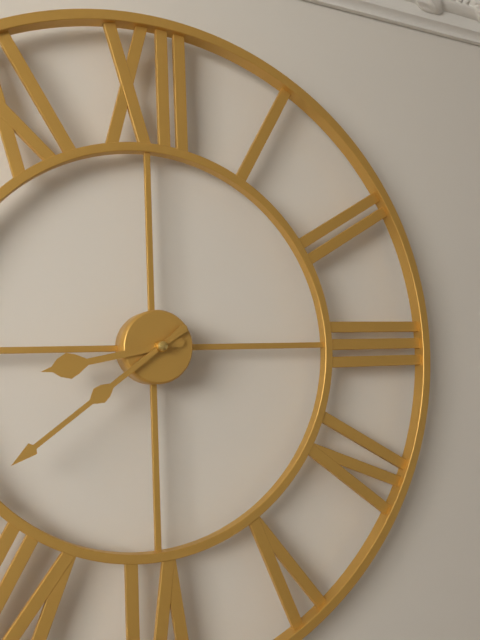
{"hour": 8, "minute": 39}
